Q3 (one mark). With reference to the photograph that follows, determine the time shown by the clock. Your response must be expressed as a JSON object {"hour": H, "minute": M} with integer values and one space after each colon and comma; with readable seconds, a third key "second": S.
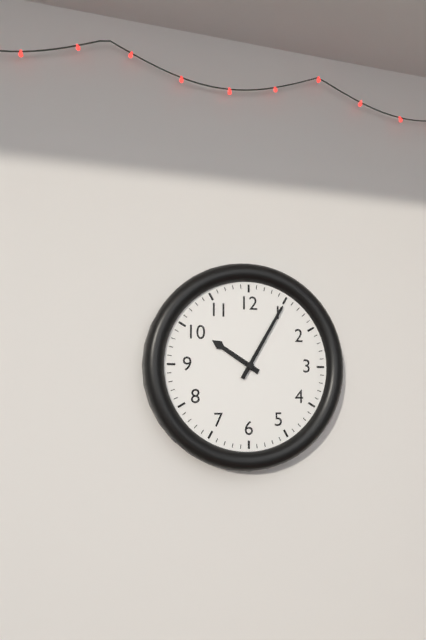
{"hour": 10, "minute": 5}
